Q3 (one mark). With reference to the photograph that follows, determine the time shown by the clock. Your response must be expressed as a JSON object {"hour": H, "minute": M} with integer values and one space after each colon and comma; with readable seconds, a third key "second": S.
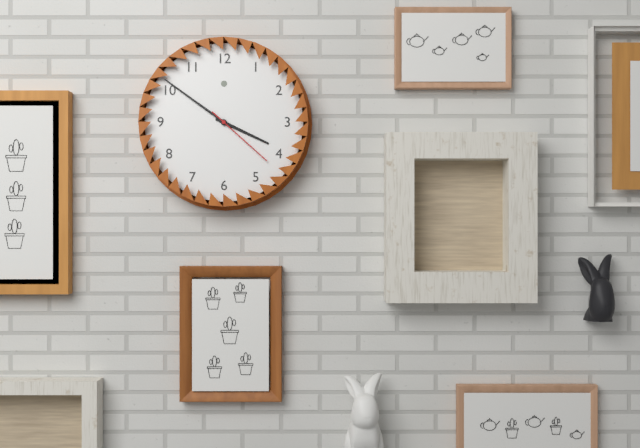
{"hour": 3, "minute": 51, "second": 22}
